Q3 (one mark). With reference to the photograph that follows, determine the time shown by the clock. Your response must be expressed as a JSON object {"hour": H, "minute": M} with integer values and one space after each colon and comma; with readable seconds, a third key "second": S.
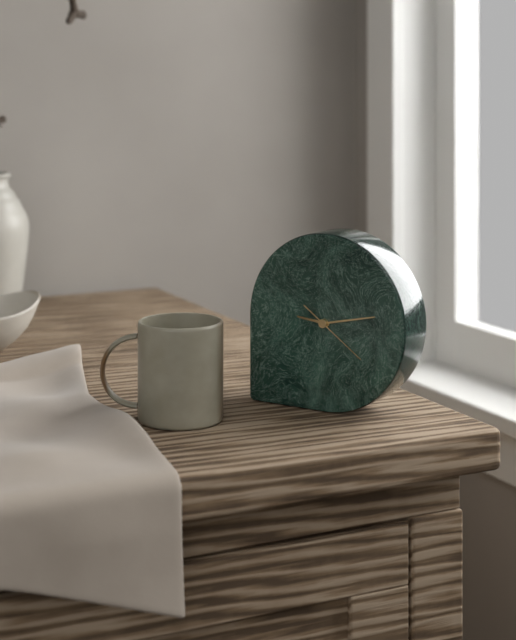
{"hour": 9, "minute": 13, "second": 21}
